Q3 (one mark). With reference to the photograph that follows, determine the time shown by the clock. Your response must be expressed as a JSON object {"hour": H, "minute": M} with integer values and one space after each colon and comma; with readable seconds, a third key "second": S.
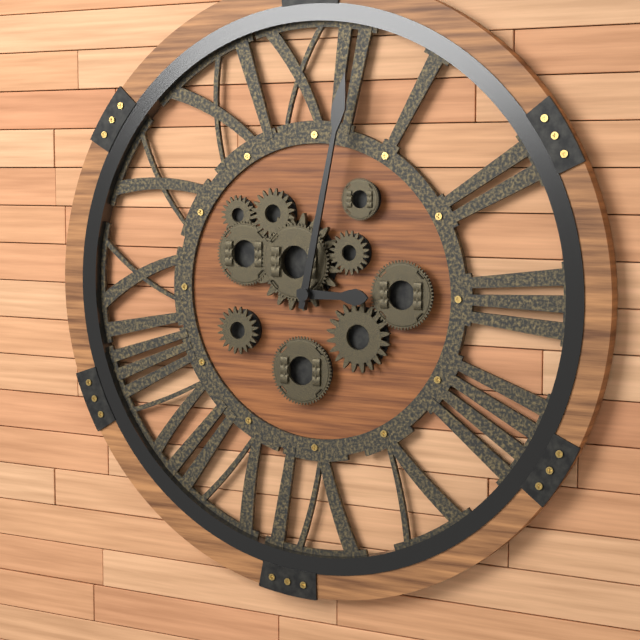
{"hour": 3, "minute": 2}
